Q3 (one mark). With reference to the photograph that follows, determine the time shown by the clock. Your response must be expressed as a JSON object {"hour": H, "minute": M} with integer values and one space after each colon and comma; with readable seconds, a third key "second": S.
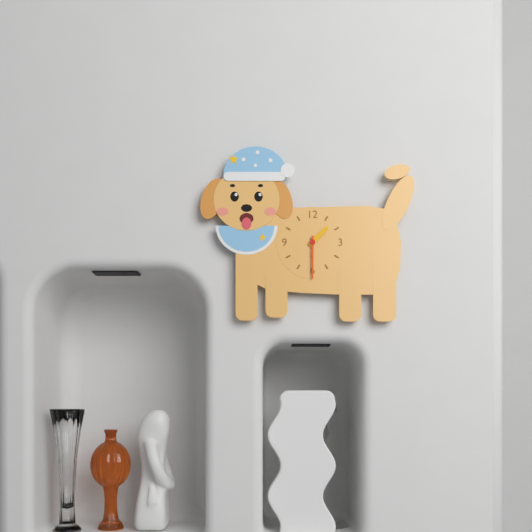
{"hour": 1, "minute": 30}
